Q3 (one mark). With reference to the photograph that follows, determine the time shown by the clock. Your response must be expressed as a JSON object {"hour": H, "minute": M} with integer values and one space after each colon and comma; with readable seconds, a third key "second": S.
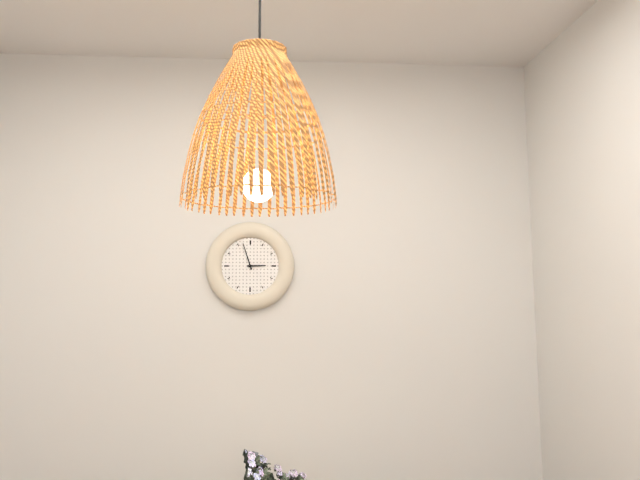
{"hour": 2, "minute": 57}
